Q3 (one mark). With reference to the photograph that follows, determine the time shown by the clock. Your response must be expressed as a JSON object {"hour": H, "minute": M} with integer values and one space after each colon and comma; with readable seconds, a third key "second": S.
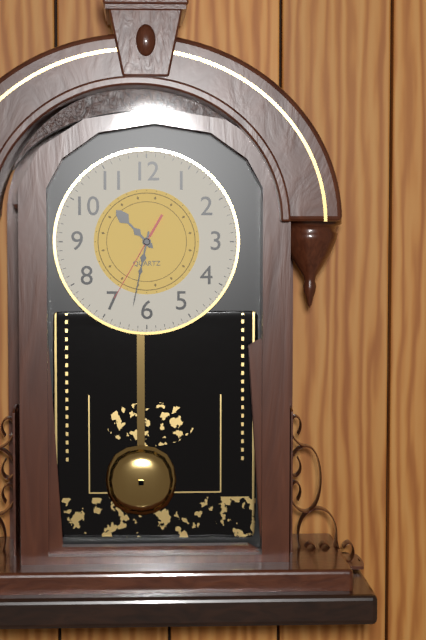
{"hour": 10, "minute": 32, "second": 35}
